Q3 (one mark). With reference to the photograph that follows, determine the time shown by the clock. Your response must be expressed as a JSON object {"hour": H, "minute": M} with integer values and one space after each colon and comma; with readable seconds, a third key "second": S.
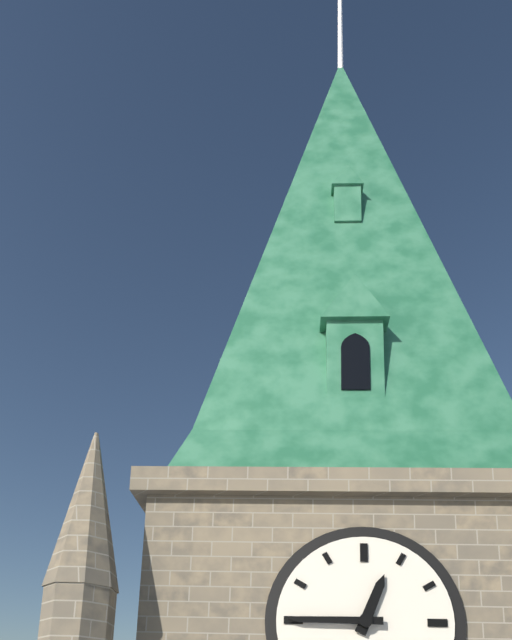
{"hour": 12, "minute": 45}
